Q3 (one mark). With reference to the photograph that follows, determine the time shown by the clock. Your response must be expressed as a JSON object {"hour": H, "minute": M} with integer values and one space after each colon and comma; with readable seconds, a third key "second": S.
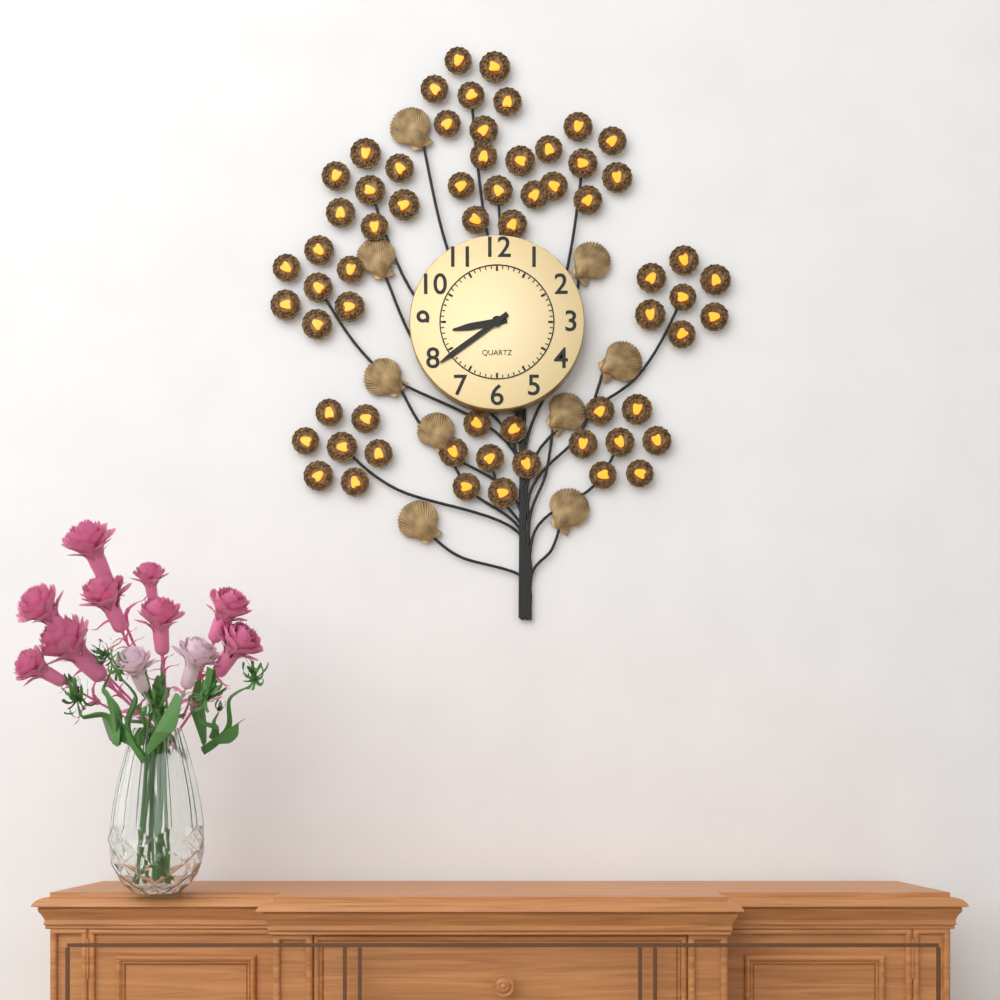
{"hour": 8, "minute": 39}
